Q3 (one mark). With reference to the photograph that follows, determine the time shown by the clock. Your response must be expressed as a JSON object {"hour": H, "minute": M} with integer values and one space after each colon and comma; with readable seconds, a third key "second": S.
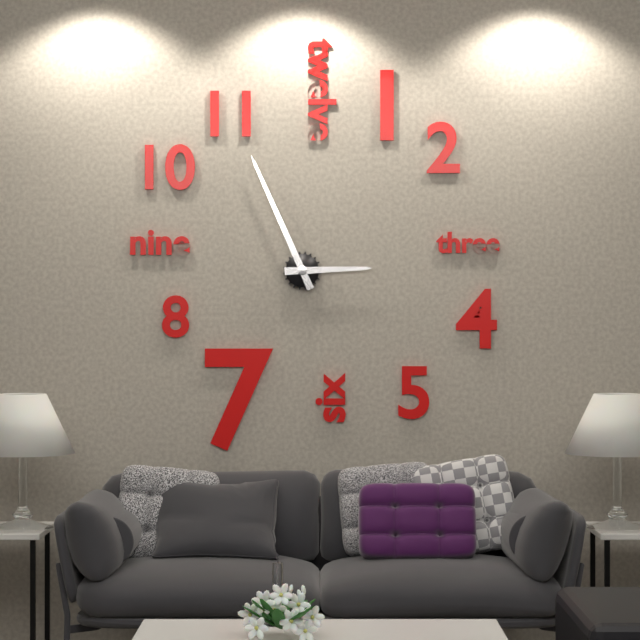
{"hour": 2, "minute": 56}
